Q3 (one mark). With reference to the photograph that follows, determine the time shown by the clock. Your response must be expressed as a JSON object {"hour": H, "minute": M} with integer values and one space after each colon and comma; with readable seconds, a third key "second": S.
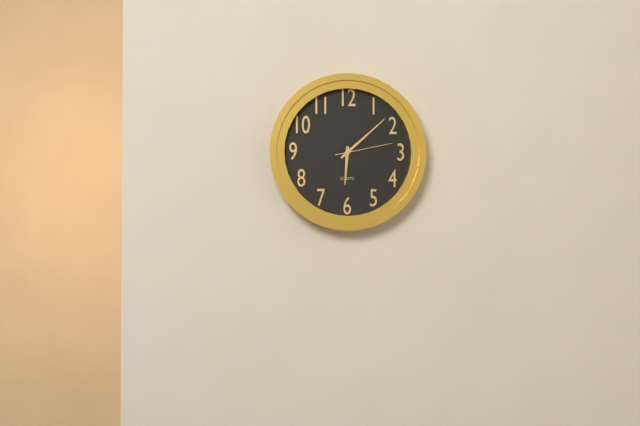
{"hour": 6, "minute": 8, "second": 13}
